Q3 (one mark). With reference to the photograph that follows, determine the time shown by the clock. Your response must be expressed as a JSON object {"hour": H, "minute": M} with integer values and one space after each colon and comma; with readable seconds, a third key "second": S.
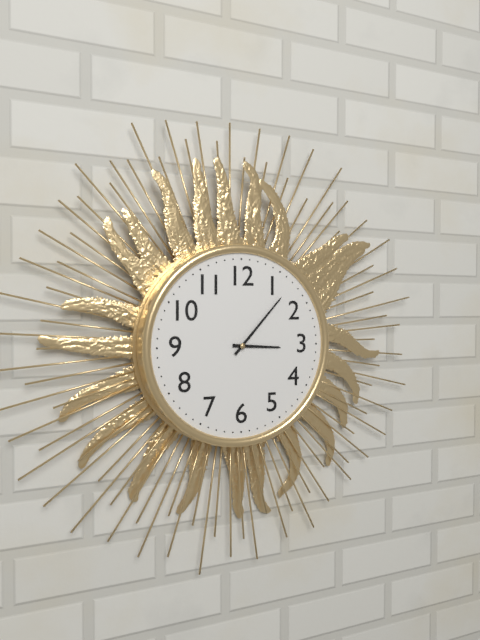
{"hour": 3, "minute": 7}
